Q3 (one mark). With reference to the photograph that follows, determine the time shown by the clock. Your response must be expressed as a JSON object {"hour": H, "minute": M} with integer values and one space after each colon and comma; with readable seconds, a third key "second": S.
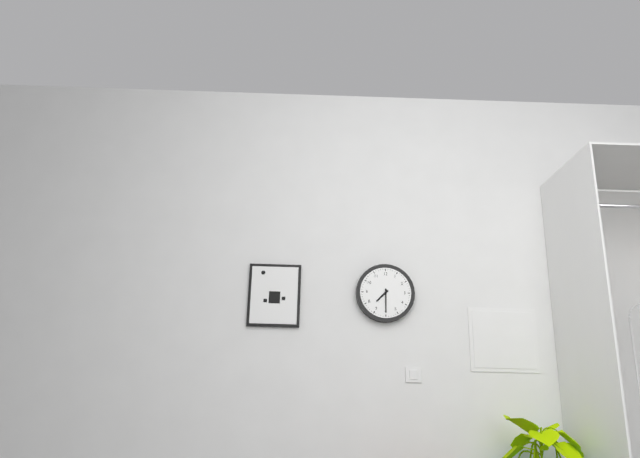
{"hour": 7, "minute": 30}
